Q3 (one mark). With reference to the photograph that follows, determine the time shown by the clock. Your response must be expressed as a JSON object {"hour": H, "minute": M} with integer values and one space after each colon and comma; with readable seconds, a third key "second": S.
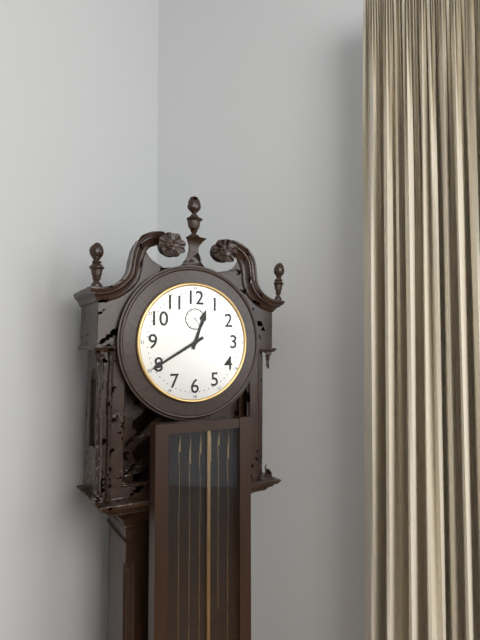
{"hour": 12, "minute": 40}
